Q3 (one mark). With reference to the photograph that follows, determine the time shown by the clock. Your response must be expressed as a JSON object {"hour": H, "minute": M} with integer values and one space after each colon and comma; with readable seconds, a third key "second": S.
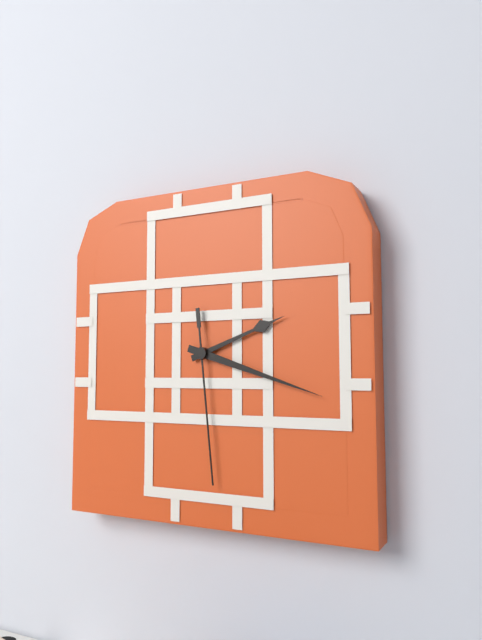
{"hour": 2, "minute": 18, "second": 29}
